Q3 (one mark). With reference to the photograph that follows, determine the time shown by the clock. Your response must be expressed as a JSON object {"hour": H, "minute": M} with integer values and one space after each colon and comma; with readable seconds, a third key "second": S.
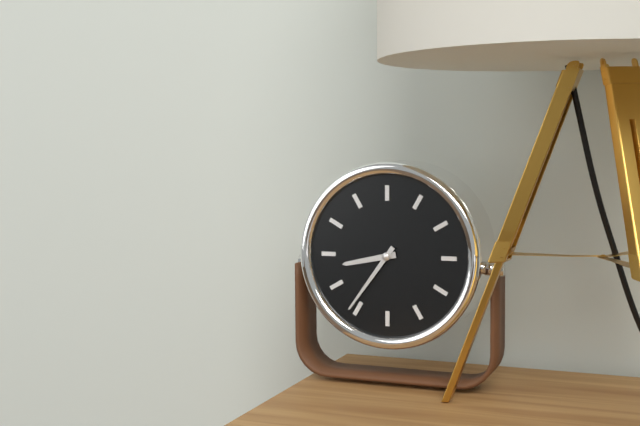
{"hour": 8, "minute": 36}
